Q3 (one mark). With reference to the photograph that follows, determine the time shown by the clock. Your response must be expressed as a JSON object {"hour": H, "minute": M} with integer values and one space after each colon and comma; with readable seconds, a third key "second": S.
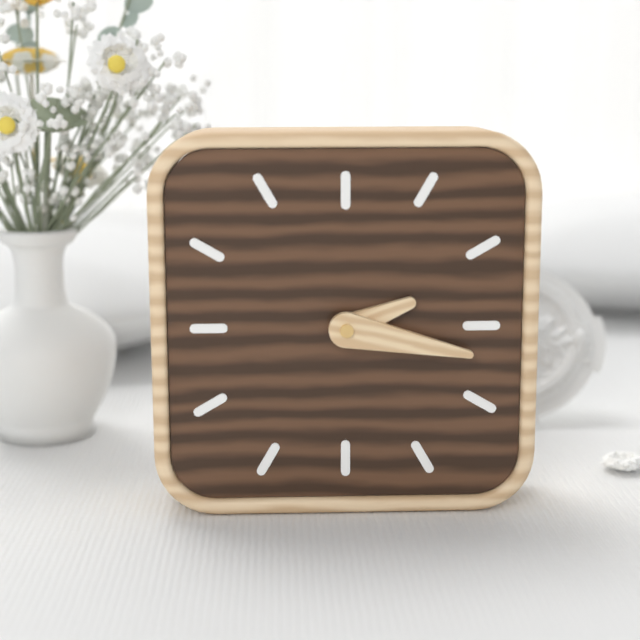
{"hour": 2, "minute": 17}
